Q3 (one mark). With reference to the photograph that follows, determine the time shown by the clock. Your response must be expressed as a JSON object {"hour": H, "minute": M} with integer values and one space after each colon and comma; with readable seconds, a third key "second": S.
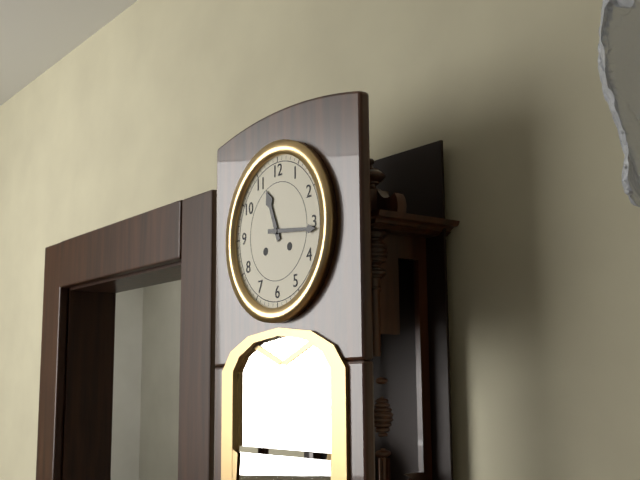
{"hour": 11, "minute": 16}
